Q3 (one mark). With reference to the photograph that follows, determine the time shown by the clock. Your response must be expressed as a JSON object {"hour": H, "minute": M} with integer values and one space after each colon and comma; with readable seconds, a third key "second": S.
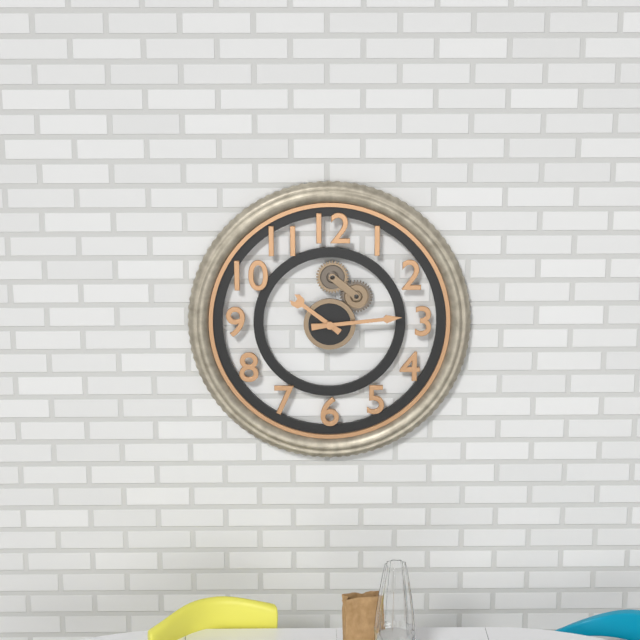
{"hour": 10, "minute": 14}
